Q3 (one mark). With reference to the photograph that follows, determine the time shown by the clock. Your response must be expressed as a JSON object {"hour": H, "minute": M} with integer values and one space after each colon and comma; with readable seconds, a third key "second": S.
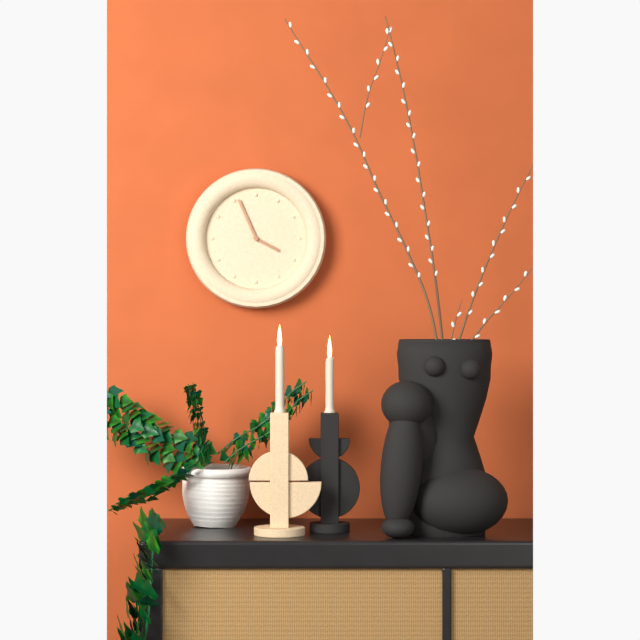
{"hour": 3, "minute": 56}
